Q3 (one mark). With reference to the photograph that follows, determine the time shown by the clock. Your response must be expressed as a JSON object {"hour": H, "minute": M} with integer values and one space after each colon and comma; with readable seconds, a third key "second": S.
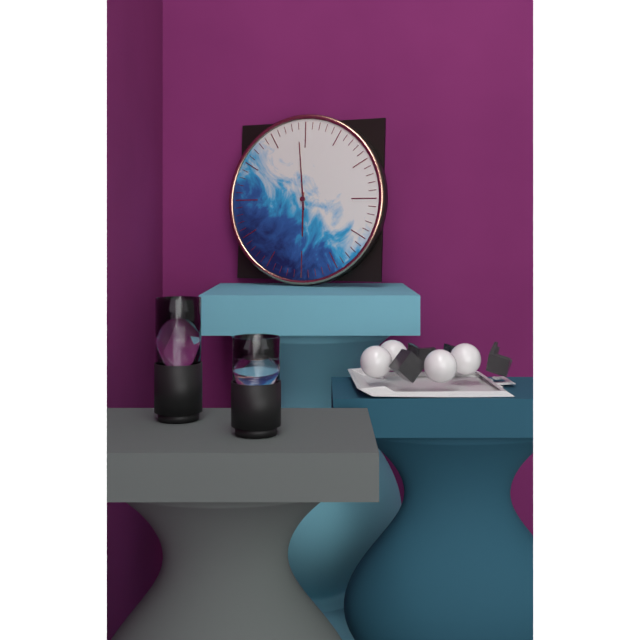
{"hour": 5, "minute": 59}
